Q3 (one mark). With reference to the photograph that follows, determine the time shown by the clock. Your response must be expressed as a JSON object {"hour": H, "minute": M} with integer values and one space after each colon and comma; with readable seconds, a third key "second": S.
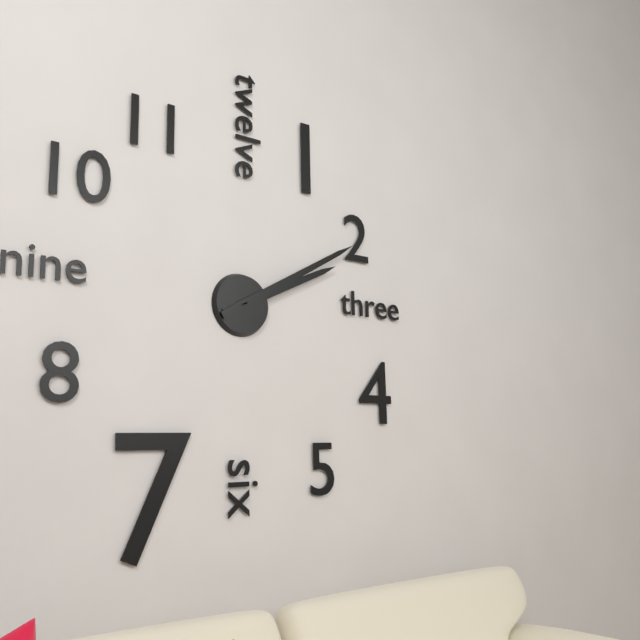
{"hour": 2, "minute": 10}
